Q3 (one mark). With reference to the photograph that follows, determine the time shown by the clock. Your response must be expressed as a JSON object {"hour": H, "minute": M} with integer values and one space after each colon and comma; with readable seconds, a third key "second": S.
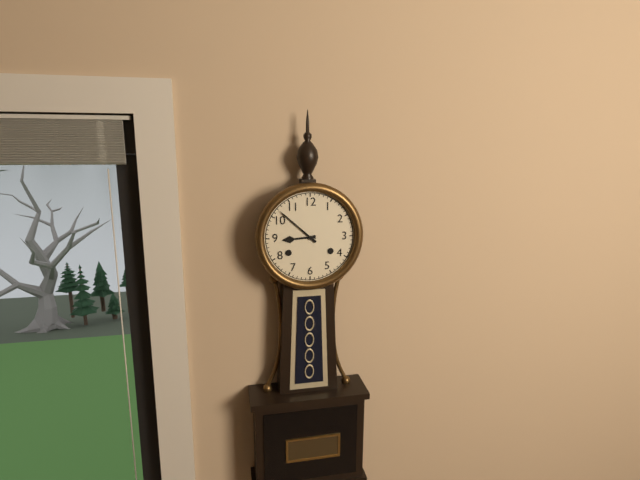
{"hour": 8, "minute": 52}
